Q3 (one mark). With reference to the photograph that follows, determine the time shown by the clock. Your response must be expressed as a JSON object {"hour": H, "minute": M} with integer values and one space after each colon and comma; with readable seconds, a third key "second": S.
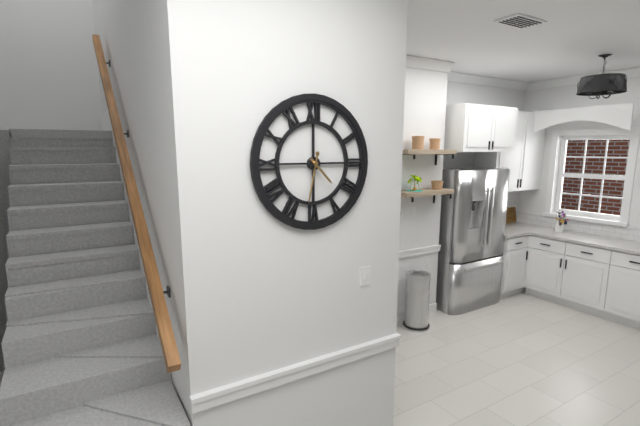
{"hour": 4, "minute": 32}
